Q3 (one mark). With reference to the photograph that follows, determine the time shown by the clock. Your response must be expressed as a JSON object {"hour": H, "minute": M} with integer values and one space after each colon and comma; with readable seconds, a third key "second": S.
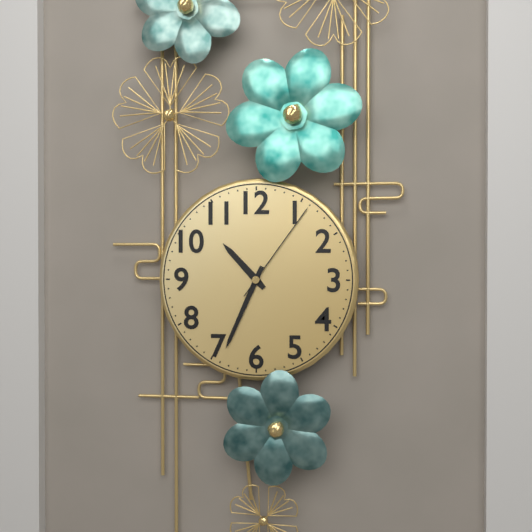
{"hour": 10, "minute": 34, "second": 6}
